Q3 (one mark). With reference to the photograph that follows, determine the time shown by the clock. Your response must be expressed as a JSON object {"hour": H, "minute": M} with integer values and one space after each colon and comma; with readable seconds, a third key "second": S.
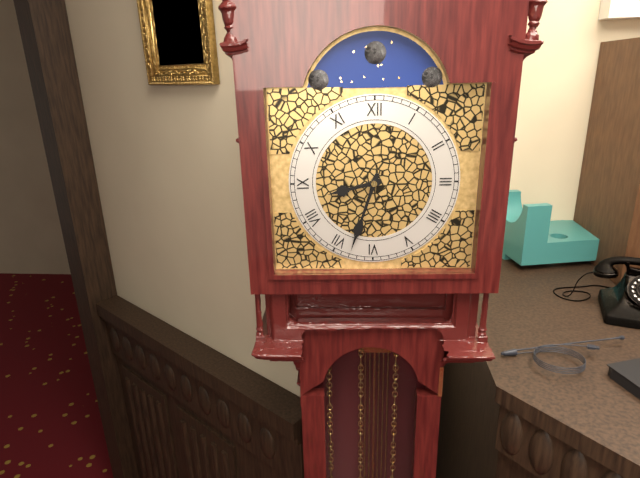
{"hour": 8, "minute": 33}
